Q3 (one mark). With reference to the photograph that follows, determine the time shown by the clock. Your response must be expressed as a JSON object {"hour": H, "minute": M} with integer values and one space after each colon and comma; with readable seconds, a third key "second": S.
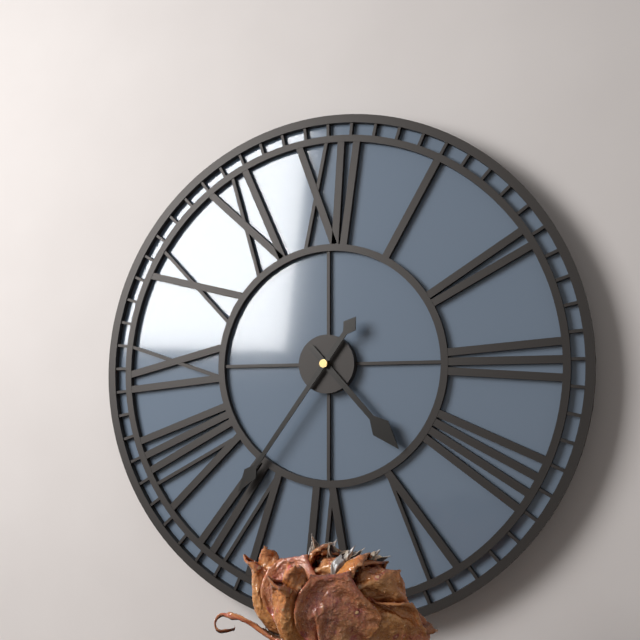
{"hour": 4, "minute": 36}
